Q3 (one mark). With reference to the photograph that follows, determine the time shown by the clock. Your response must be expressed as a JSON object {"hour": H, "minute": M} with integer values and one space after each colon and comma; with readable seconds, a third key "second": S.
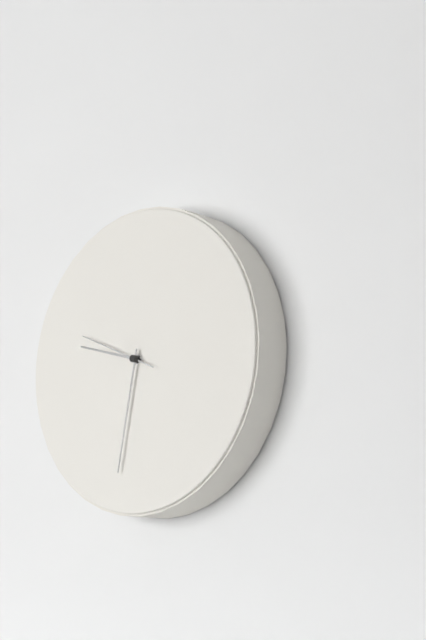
{"hour": 9, "minute": 32, "second": 49}
